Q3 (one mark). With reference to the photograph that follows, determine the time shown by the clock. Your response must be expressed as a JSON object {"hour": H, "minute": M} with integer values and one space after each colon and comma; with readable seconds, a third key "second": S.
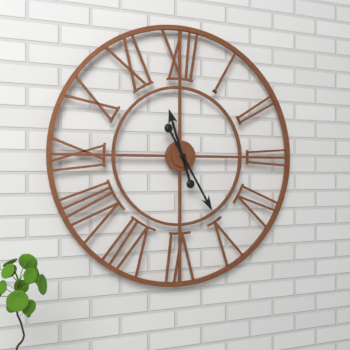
{"hour": 11, "minute": 25}
